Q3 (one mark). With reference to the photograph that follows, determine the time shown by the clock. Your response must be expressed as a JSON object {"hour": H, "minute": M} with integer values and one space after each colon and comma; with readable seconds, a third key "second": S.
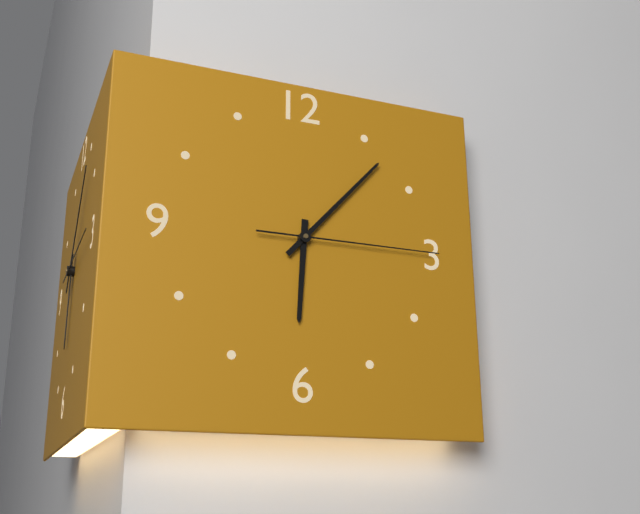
{"hour": 6, "minute": 7, "second": 15}
